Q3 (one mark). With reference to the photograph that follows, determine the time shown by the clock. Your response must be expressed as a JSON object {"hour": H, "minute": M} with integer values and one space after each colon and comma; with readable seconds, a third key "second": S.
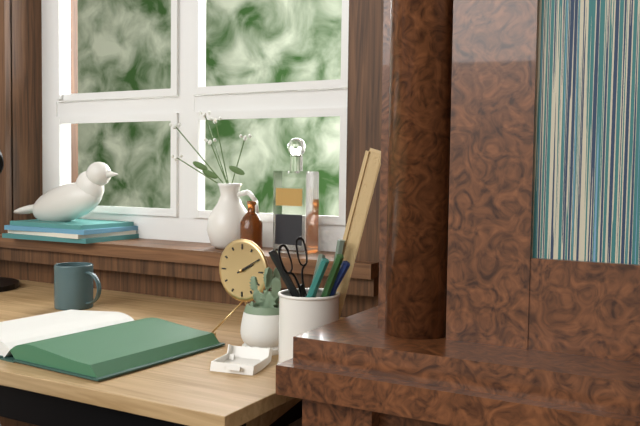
{"hour": 2, "minute": 10}
